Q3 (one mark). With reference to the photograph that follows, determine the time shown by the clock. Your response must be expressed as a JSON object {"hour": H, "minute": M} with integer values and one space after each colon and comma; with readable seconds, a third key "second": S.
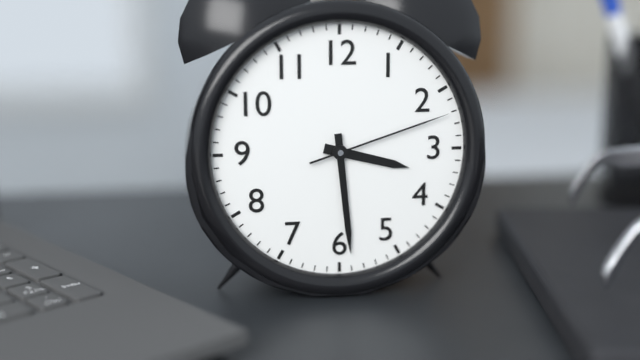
{"hour": 3, "minute": 29, "second": 12}
